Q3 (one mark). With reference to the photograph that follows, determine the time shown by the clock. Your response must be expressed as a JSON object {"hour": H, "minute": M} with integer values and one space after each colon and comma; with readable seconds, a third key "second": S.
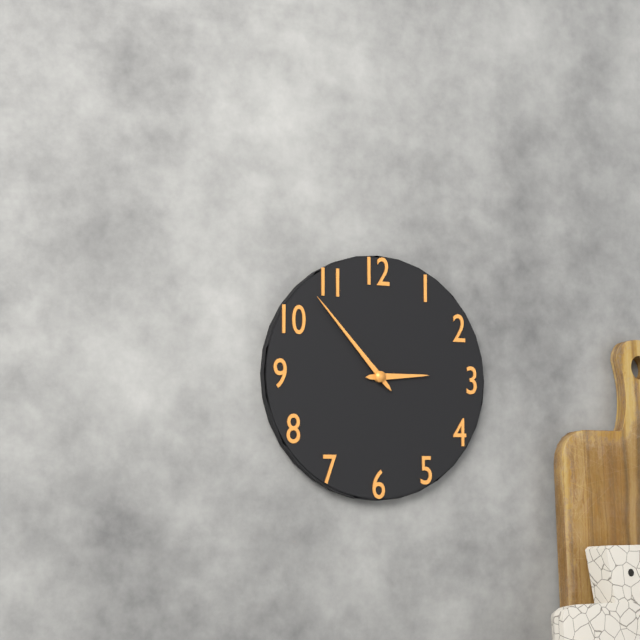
{"hour": 2, "minute": 53}
